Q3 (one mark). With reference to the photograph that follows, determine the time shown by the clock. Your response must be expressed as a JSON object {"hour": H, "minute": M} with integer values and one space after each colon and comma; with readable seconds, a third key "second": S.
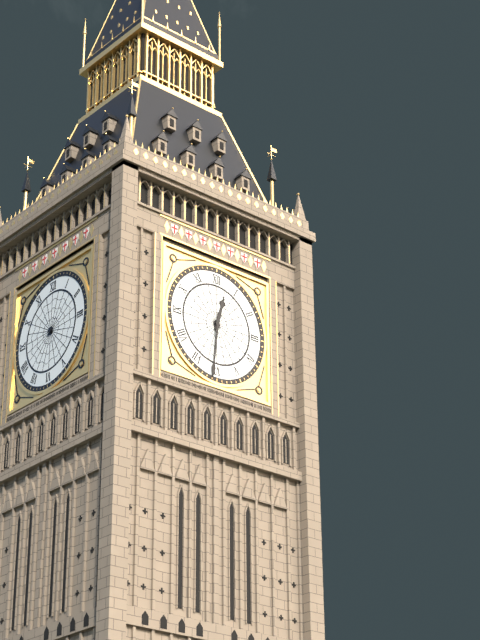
{"hour": 12, "minute": 31}
